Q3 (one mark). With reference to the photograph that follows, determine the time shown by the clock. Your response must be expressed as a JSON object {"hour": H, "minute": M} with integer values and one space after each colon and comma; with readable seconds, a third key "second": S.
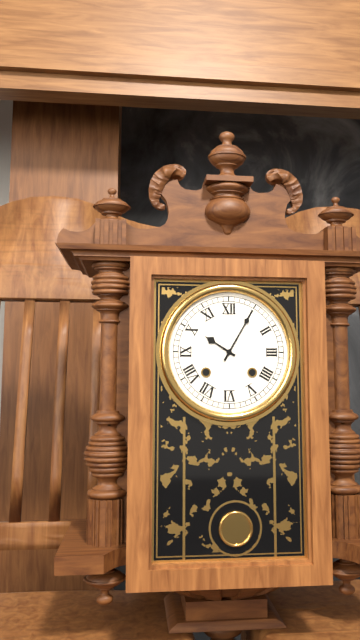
{"hour": 10, "minute": 5}
